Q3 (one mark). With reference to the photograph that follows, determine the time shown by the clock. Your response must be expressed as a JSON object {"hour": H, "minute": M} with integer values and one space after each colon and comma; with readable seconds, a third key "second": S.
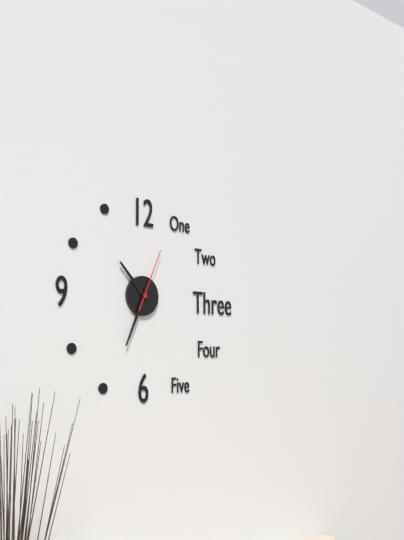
{"hour": 10, "minute": 34, "second": 4}
